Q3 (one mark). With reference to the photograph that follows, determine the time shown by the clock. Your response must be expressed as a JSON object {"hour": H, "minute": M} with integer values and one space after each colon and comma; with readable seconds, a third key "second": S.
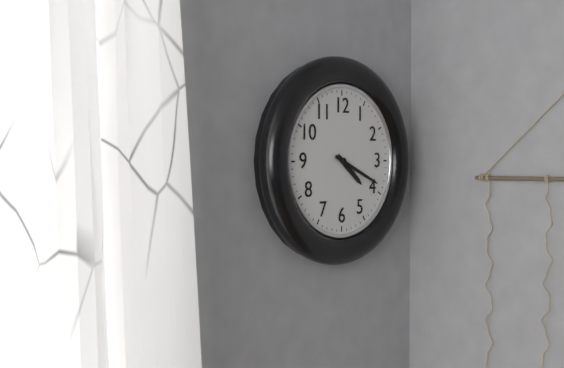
{"hour": 4, "minute": 19}
